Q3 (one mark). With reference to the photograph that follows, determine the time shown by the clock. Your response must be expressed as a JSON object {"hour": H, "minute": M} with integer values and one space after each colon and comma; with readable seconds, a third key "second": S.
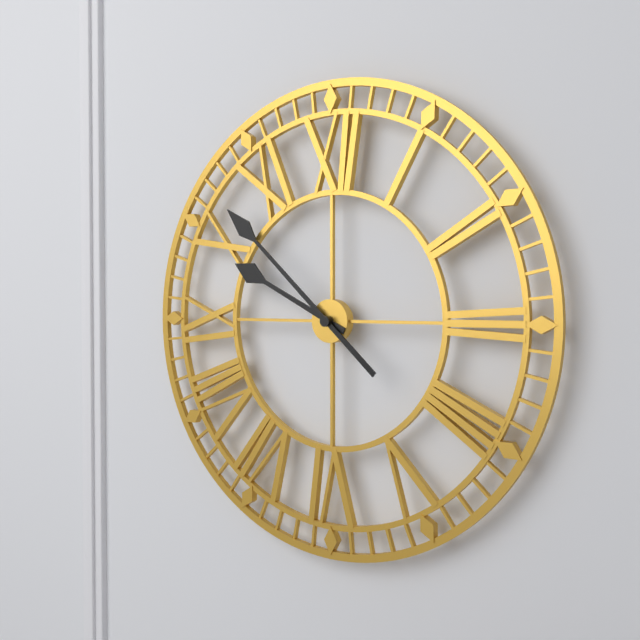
{"hour": 9, "minute": 52}
